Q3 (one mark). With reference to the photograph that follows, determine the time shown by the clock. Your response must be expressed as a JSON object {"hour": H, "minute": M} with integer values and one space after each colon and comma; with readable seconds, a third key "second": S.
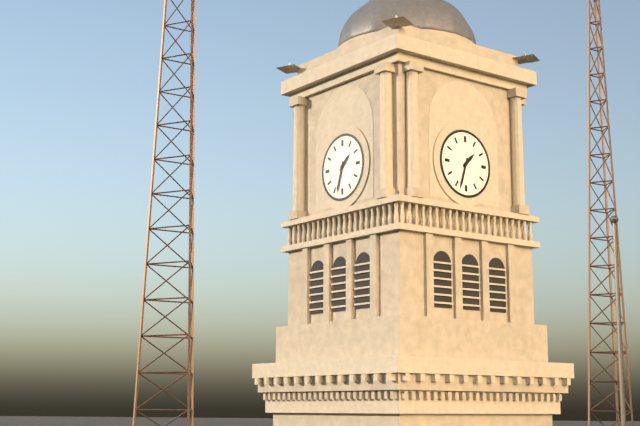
{"hour": 1, "minute": 33}
